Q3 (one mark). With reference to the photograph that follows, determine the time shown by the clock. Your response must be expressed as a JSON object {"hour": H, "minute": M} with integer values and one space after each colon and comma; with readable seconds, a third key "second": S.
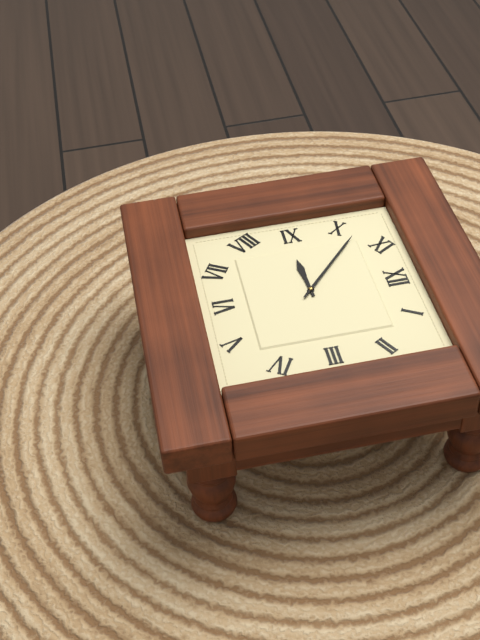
{"hour": 8, "minute": 52}
